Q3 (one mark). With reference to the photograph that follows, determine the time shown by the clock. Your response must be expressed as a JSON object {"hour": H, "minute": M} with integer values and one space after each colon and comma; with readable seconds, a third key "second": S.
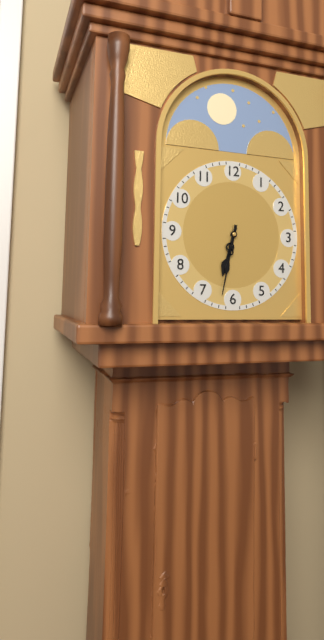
{"hour": 6, "minute": 32}
